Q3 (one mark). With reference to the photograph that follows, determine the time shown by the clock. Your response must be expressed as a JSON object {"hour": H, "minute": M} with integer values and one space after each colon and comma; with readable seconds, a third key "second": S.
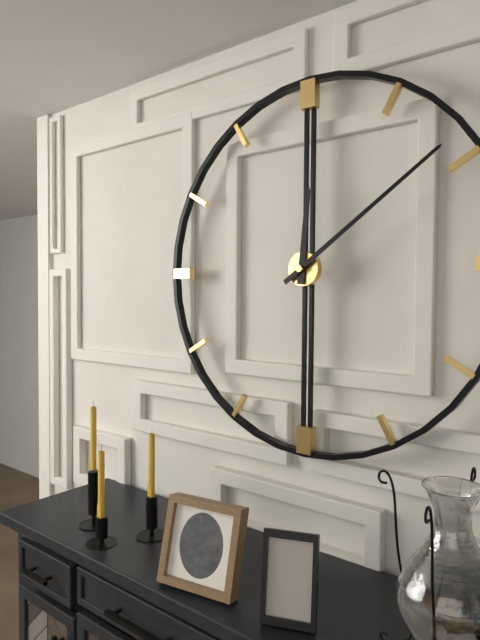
{"hour": 12, "minute": 9}
